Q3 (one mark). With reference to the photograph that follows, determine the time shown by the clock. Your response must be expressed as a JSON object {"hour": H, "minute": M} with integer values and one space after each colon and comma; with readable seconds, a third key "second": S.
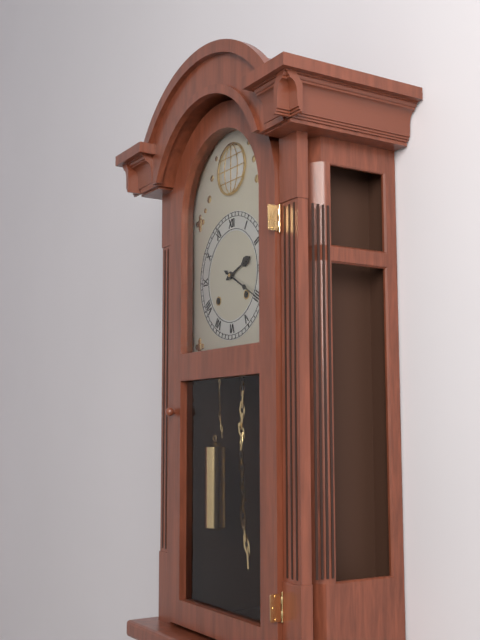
{"hour": 2, "minute": 20}
